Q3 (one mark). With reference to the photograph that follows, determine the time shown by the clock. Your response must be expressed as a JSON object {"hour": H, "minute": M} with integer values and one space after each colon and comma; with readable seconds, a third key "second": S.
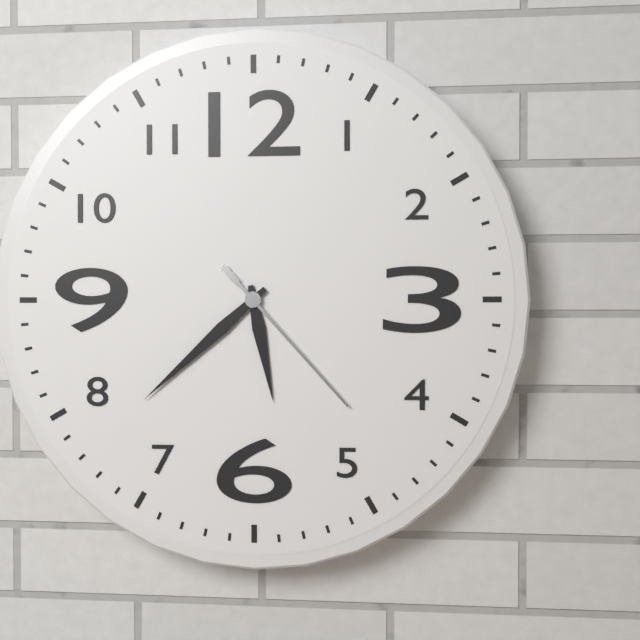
{"hour": 5, "minute": 38, "second": 23}
